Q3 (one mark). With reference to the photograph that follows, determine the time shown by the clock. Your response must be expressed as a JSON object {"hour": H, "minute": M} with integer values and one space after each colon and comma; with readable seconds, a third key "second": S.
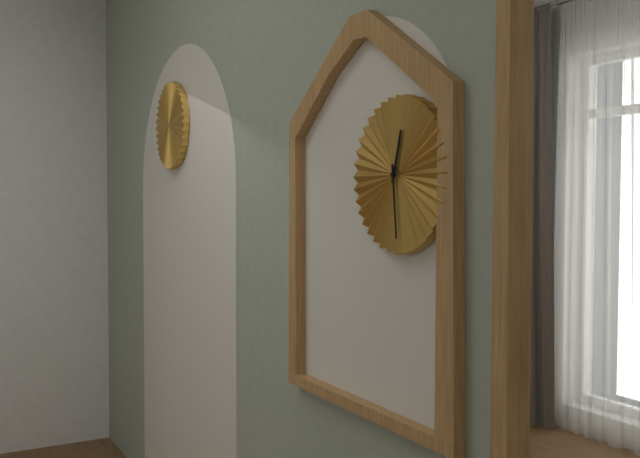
{"hour": 12, "minute": 29}
